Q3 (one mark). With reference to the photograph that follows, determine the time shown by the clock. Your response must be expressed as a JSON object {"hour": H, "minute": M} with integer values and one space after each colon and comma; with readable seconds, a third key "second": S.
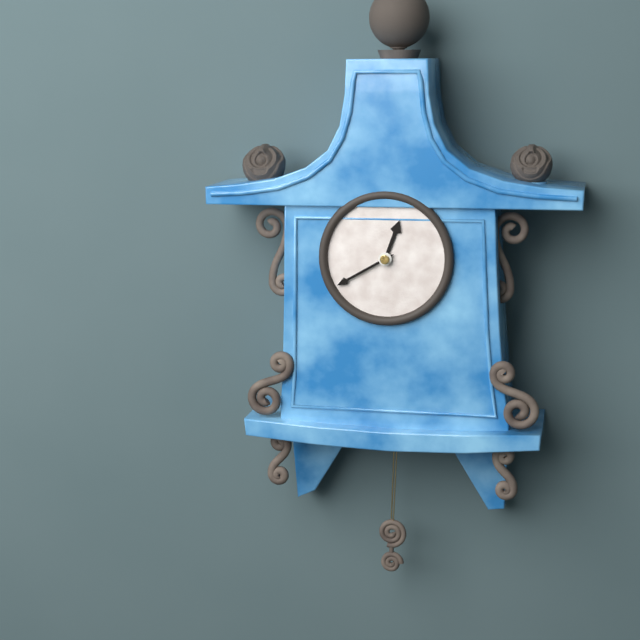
{"hour": 12, "minute": 40}
